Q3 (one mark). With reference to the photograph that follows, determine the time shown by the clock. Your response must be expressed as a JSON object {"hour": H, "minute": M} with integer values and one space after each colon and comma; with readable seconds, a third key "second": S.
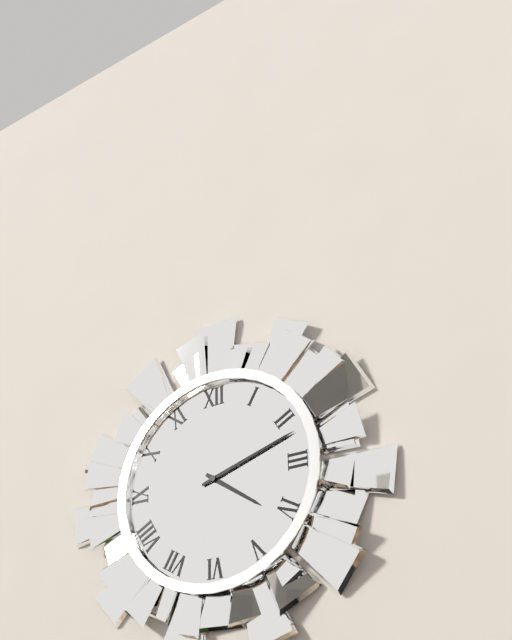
{"hour": 4, "minute": 12}
